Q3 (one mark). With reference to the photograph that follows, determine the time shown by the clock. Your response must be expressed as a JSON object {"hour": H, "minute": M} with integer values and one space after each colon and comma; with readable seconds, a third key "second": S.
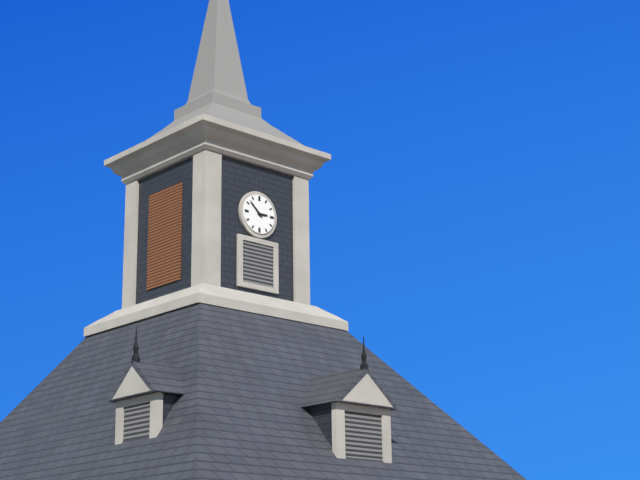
{"hour": 2, "minute": 52}
